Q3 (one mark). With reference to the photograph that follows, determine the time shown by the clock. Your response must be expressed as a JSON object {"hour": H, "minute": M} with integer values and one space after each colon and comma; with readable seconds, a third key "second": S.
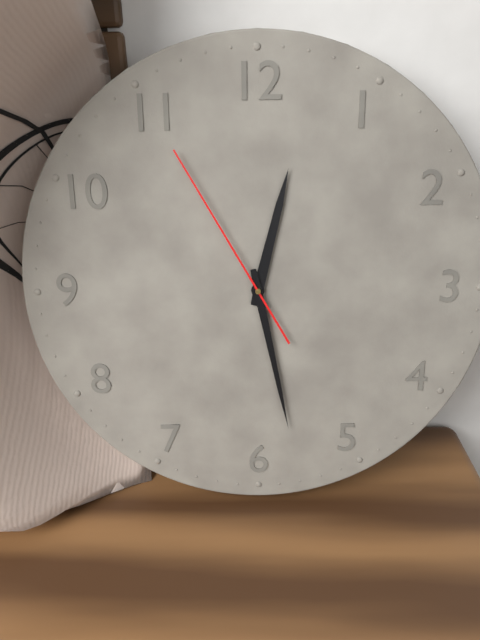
{"hour": 12, "minute": 28, "second": 55}
